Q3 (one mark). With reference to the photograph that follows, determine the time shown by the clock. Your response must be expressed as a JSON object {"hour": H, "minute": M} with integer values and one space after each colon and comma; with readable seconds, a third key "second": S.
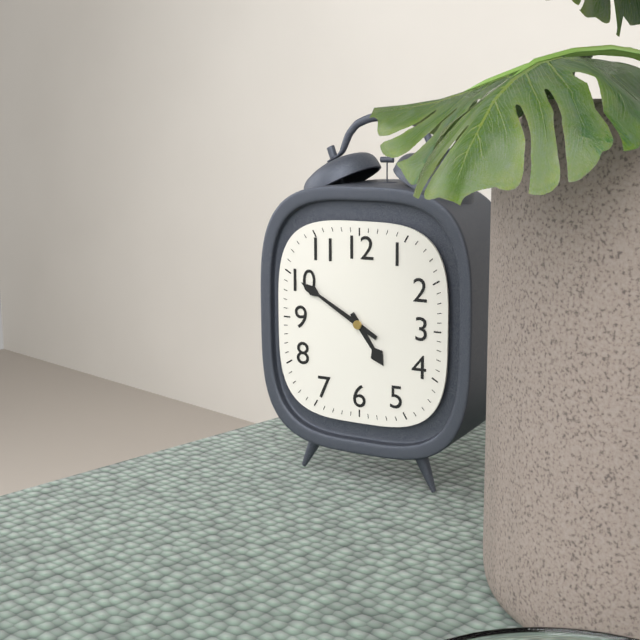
{"hour": 4, "minute": 50}
